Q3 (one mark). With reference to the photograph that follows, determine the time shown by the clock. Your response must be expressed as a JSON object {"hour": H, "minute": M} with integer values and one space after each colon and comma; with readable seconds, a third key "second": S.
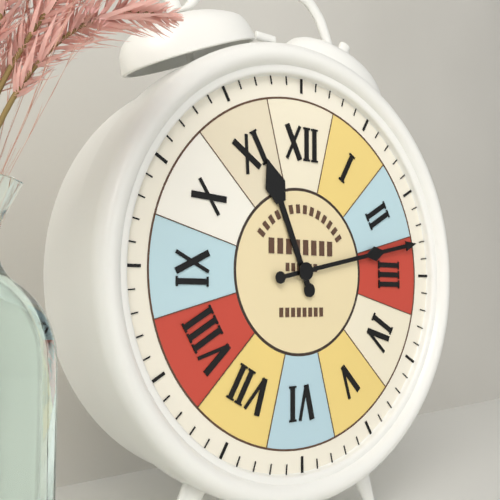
{"hour": 11, "minute": 13}
